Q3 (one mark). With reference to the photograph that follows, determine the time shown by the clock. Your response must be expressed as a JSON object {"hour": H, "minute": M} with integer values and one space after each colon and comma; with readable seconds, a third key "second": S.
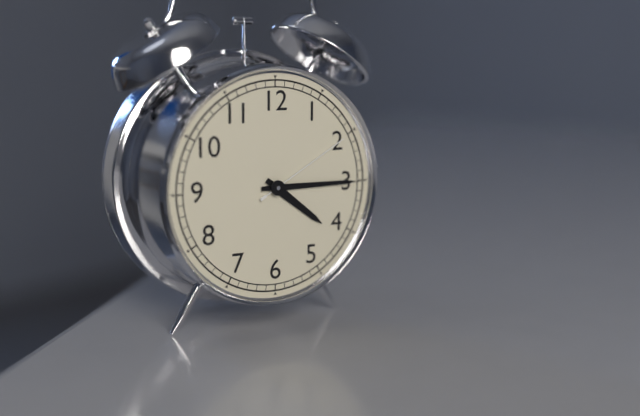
{"hour": 4, "minute": 15, "second": 10}
